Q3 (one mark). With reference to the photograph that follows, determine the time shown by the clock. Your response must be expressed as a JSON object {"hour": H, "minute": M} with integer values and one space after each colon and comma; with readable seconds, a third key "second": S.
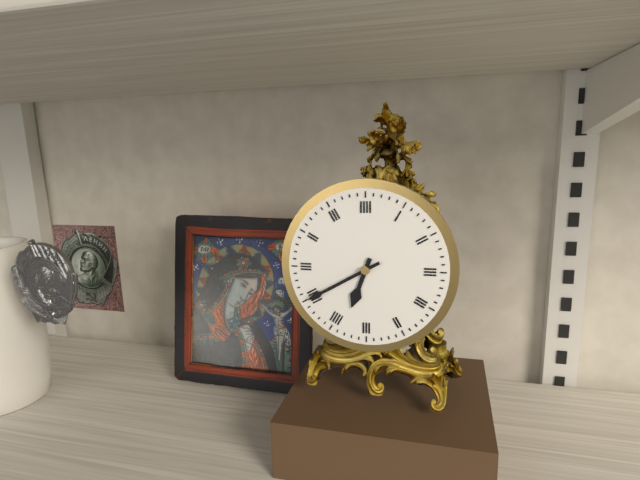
{"hour": 6, "minute": 40}
